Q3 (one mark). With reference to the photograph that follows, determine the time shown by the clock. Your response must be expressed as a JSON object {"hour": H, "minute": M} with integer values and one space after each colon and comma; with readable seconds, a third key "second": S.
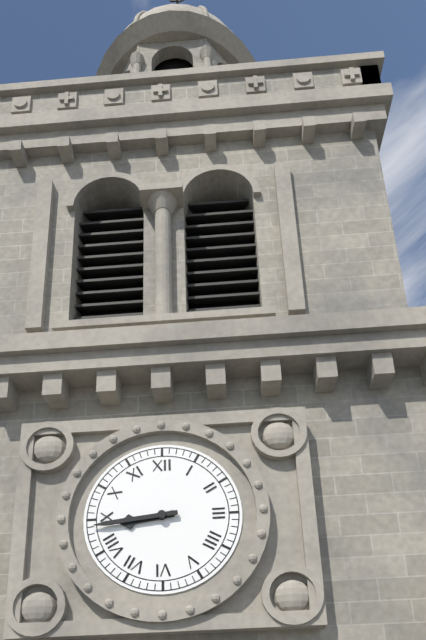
{"hour": 8, "minute": 44}
